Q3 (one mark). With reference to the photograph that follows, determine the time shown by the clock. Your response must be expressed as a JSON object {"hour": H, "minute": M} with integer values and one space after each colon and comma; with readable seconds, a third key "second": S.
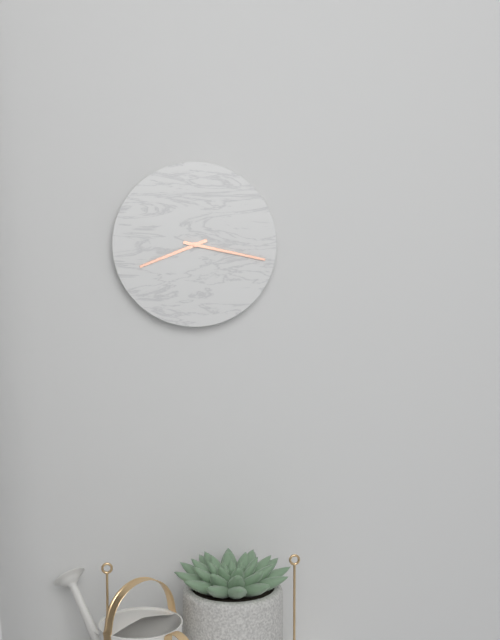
{"hour": 8, "minute": 17}
